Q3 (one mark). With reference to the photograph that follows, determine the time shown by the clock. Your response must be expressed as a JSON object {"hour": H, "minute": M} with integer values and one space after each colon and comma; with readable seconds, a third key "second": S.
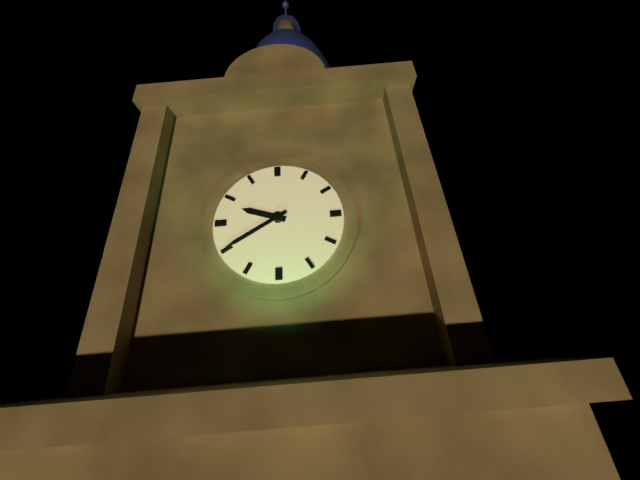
{"hour": 9, "minute": 40}
